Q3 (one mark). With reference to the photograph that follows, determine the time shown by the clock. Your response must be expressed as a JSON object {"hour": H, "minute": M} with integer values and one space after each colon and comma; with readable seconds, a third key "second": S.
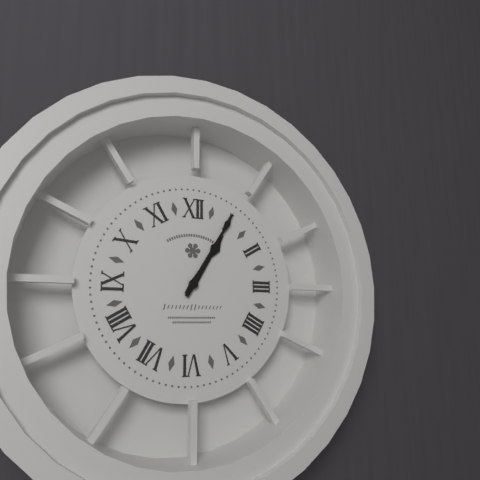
{"hour": 1, "minute": 5}
